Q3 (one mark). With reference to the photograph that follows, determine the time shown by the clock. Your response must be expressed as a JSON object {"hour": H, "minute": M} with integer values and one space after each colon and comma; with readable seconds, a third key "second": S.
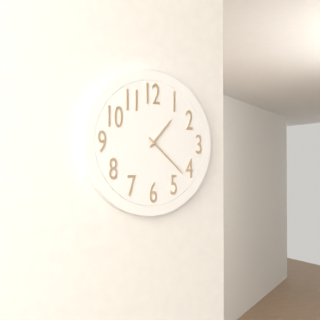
{"hour": 1, "minute": 22}
